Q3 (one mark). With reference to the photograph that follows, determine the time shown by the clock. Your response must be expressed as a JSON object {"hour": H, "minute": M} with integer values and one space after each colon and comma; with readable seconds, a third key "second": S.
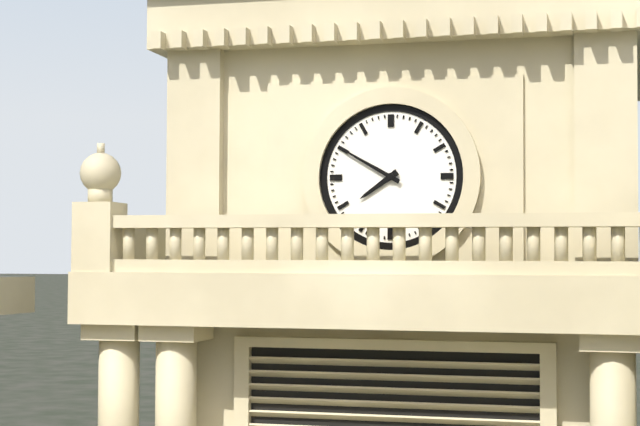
{"hour": 7, "minute": 50}
